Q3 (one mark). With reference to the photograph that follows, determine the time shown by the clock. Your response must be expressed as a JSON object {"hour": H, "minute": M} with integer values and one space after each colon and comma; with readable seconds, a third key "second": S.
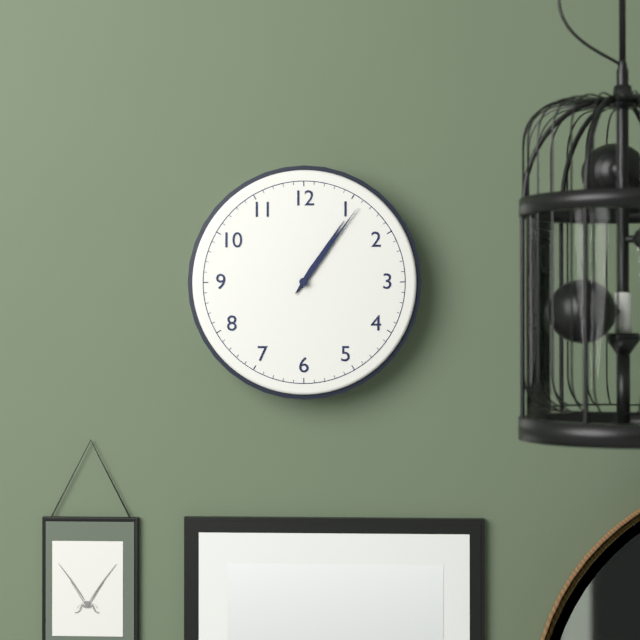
{"hour": 1, "minute": 6}
